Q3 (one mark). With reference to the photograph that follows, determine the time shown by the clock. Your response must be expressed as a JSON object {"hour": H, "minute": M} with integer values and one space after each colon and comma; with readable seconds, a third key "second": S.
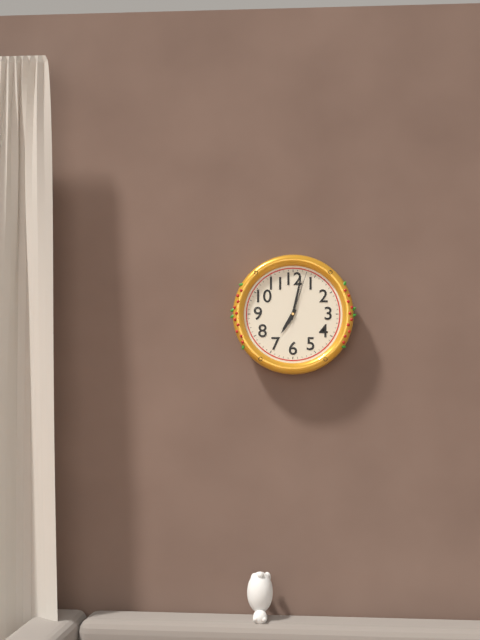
{"hour": 7, "minute": 2, "second": 3}
